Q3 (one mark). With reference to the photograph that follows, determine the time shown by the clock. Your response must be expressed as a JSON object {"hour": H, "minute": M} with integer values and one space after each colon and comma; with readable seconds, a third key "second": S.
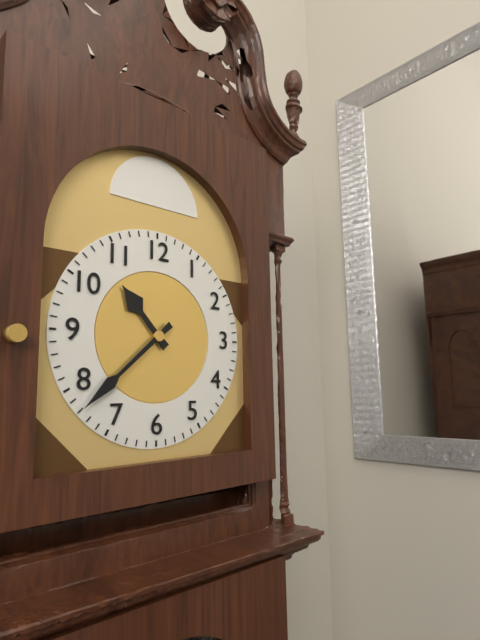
{"hour": 10, "minute": 38}
